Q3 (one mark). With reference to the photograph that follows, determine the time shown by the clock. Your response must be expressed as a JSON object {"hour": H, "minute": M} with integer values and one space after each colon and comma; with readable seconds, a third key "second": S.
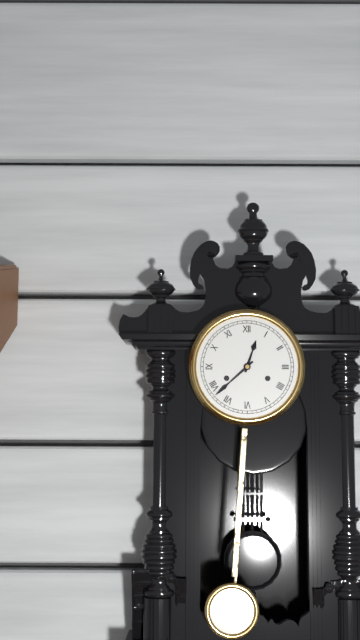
{"hour": 12, "minute": 38}
